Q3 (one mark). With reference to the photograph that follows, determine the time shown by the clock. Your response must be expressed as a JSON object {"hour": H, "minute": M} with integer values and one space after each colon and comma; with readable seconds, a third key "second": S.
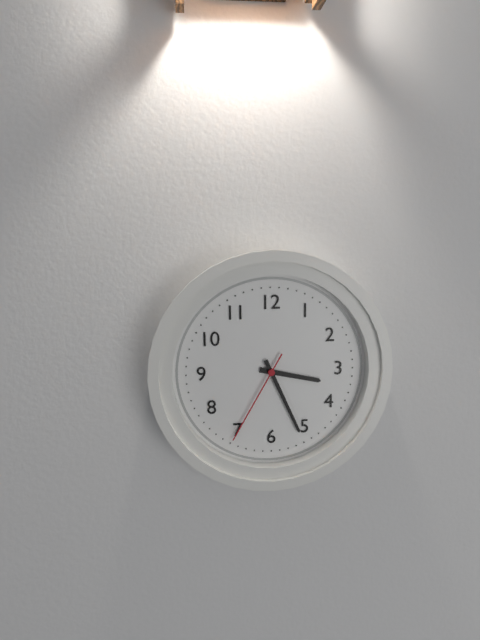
{"hour": 3, "minute": 26, "second": 35}
